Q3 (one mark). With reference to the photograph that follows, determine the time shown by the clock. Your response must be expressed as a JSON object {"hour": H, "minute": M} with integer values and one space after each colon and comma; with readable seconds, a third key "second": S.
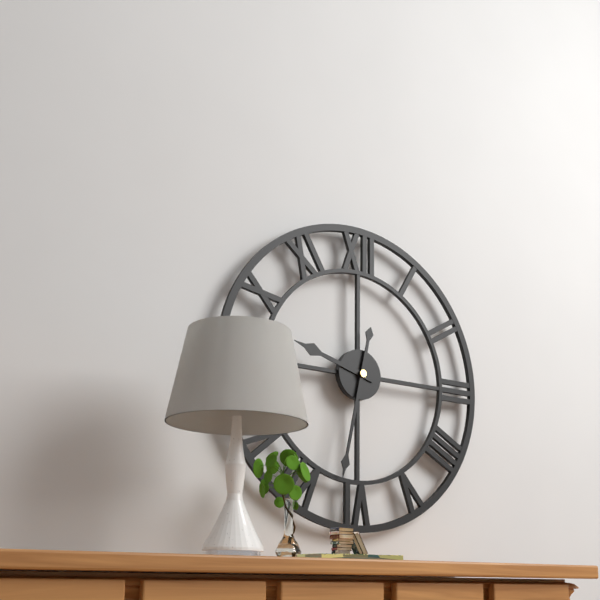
{"hour": 9, "minute": 32}
